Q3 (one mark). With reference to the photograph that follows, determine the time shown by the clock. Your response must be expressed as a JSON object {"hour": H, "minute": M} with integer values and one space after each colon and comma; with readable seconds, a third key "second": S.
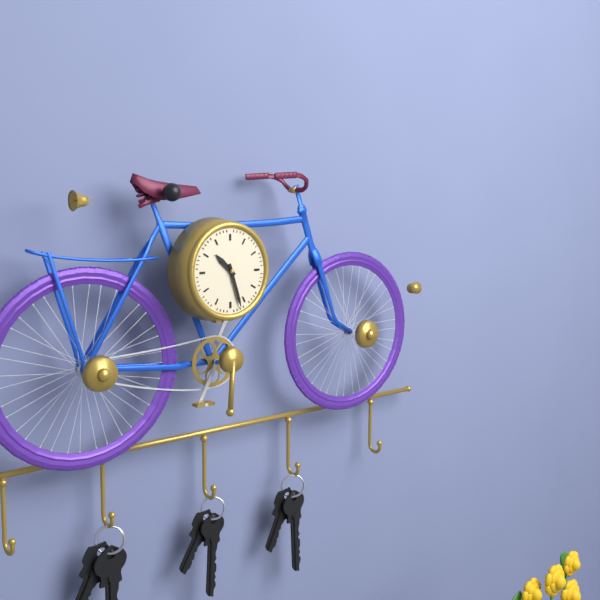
{"hour": 10, "minute": 27}
